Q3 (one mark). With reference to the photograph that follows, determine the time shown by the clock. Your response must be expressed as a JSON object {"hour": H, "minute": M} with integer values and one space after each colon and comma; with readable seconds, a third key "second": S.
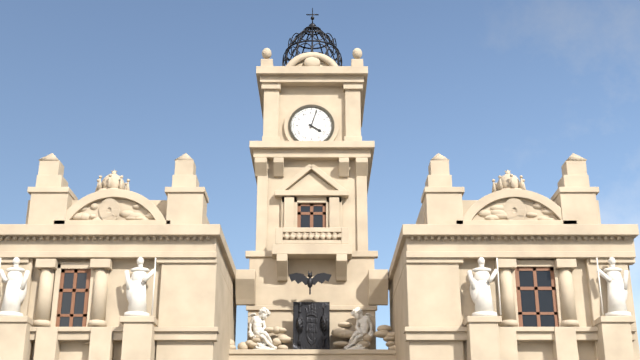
{"hour": 4, "minute": 3}
